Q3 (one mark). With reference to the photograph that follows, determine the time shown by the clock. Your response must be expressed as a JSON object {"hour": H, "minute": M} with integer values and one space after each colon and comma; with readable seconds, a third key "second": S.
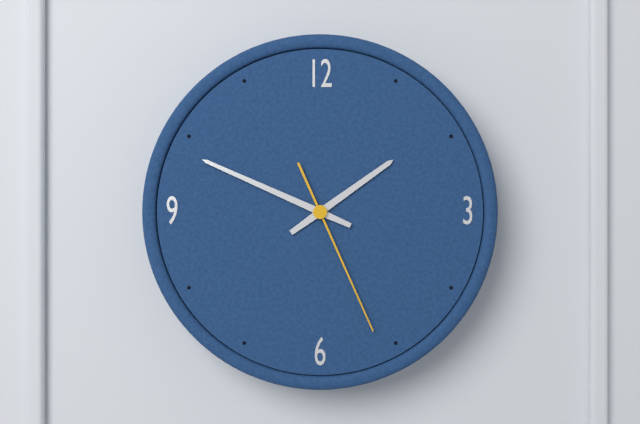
{"hour": 1, "minute": 49, "second": 26}
